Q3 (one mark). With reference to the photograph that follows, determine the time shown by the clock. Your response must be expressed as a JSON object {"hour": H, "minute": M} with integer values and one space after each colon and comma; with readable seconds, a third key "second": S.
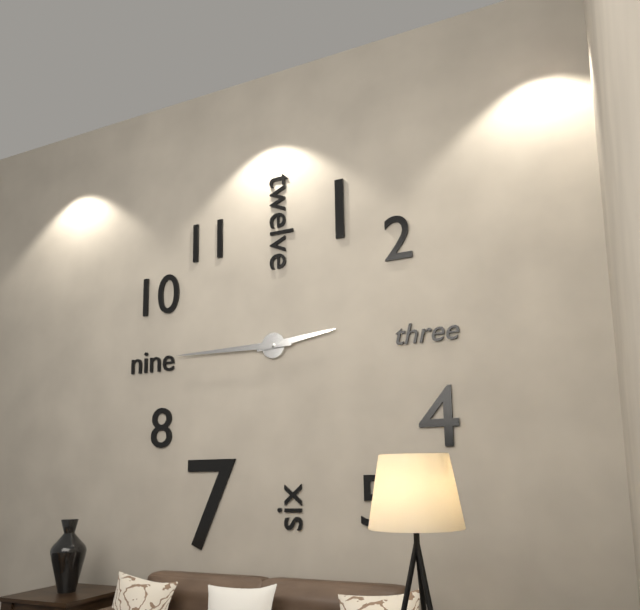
{"hour": 2, "minute": 45}
